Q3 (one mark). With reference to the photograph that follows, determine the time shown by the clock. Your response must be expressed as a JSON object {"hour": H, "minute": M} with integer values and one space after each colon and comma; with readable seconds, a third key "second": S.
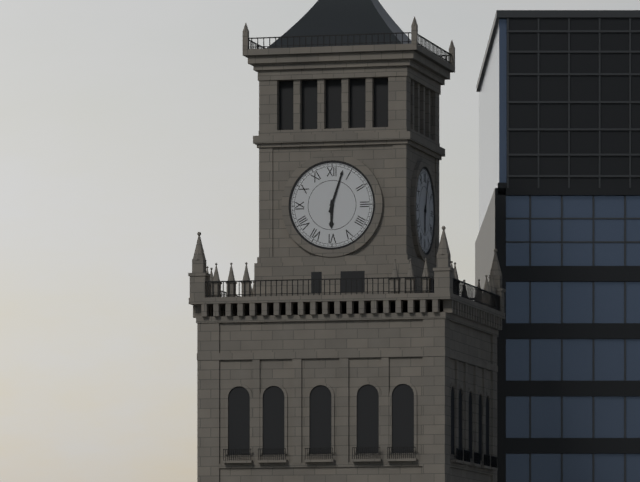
{"hour": 6, "minute": 3}
